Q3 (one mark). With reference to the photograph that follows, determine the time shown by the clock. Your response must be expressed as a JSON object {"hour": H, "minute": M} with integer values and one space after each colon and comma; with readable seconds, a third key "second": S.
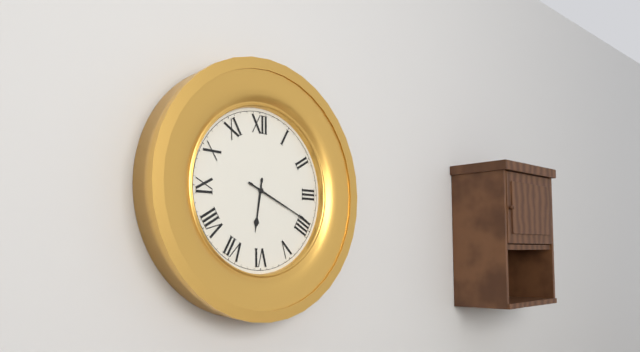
{"hour": 6, "minute": 19}
